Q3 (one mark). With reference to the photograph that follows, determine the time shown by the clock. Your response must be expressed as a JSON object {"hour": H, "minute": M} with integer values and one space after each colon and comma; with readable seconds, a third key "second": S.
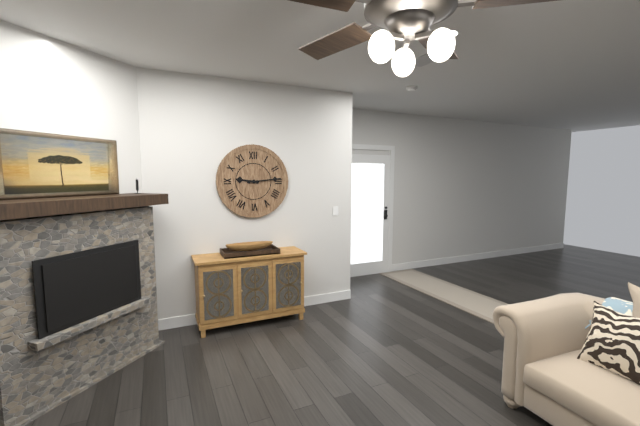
{"hour": 9, "minute": 14}
